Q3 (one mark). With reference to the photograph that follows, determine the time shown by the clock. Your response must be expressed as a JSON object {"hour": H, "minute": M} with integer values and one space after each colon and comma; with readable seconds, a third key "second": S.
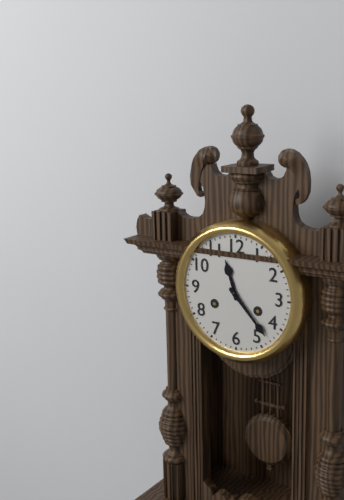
{"hour": 11, "minute": 23}
